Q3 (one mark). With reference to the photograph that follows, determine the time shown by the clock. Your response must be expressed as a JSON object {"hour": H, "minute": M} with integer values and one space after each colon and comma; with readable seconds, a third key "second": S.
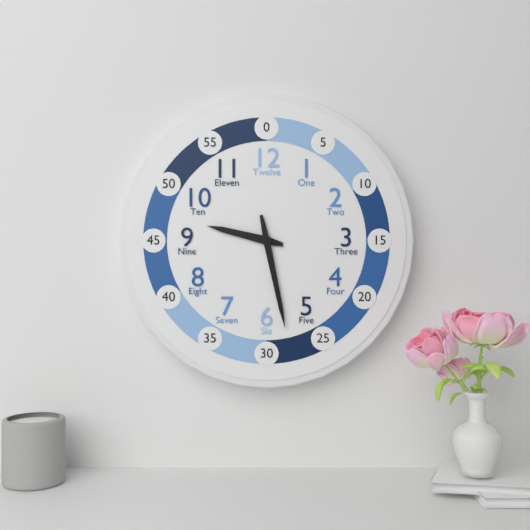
{"hour": 9, "minute": 28}
